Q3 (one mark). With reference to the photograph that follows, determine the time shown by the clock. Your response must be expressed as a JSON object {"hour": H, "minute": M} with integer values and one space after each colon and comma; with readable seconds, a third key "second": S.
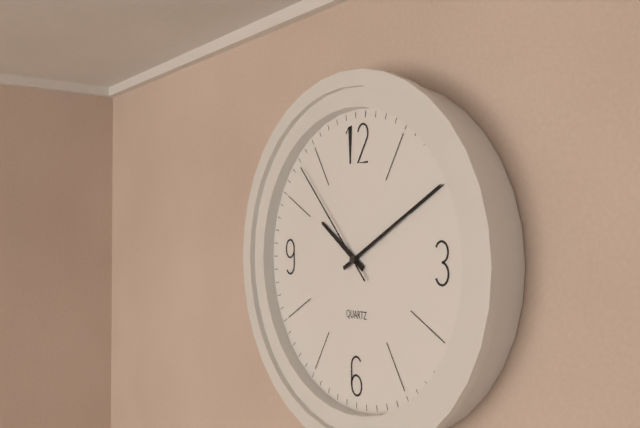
{"hour": 10, "minute": 10, "second": 53}
